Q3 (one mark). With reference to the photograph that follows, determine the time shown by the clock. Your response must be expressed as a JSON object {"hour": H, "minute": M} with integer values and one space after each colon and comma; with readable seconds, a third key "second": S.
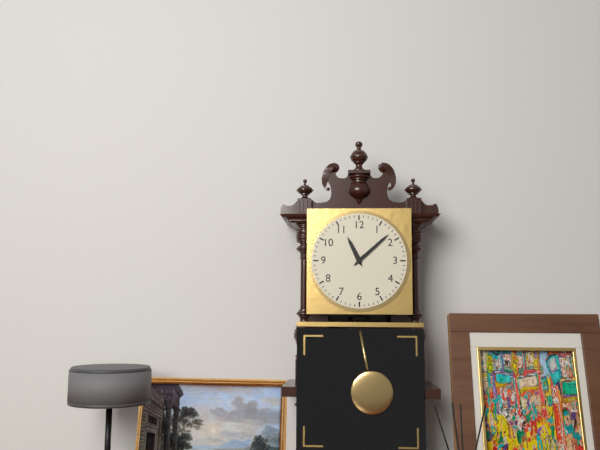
{"hour": 11, "minute": 8}
